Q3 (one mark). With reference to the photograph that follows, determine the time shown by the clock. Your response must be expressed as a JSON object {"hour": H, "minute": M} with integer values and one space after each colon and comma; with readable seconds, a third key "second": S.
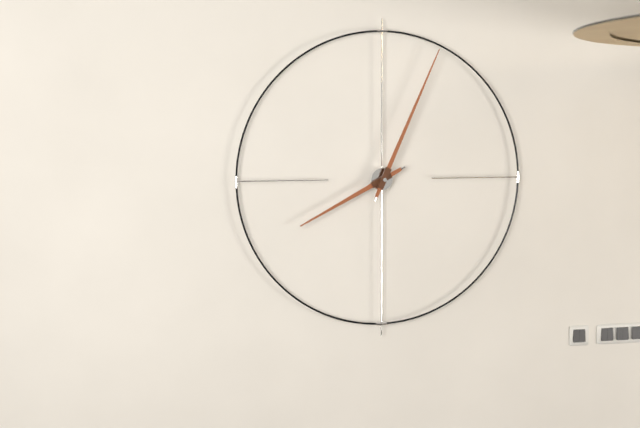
{"hour": 8, "minute": 4}
